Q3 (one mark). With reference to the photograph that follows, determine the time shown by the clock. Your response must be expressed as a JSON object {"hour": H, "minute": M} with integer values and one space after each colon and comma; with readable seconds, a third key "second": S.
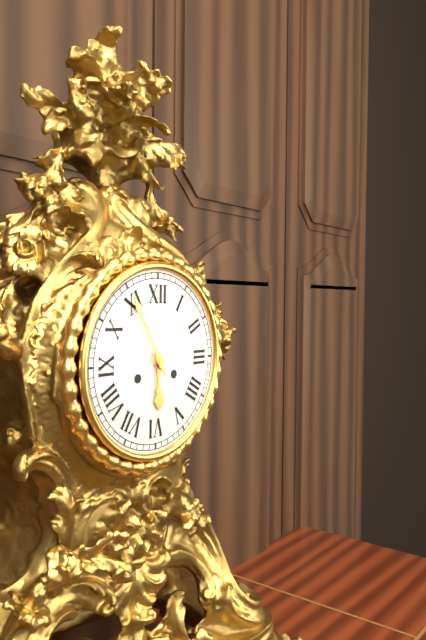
{"hour": 5, "minute": 55}
